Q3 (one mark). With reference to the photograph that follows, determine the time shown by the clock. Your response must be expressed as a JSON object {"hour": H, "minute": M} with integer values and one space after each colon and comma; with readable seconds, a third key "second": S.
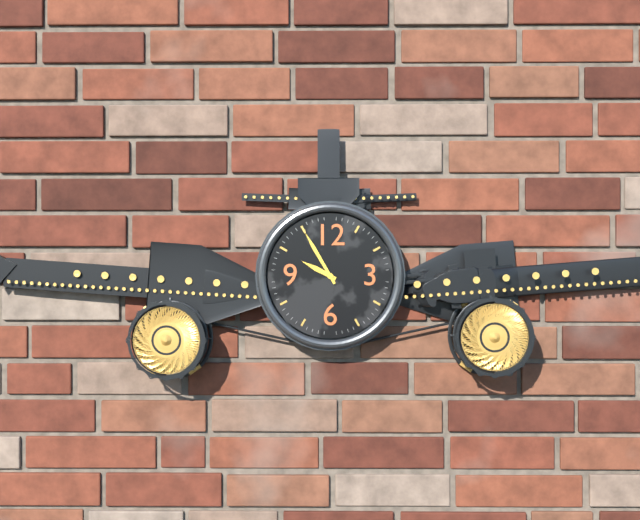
{"hour": 9, "minute": 55}
